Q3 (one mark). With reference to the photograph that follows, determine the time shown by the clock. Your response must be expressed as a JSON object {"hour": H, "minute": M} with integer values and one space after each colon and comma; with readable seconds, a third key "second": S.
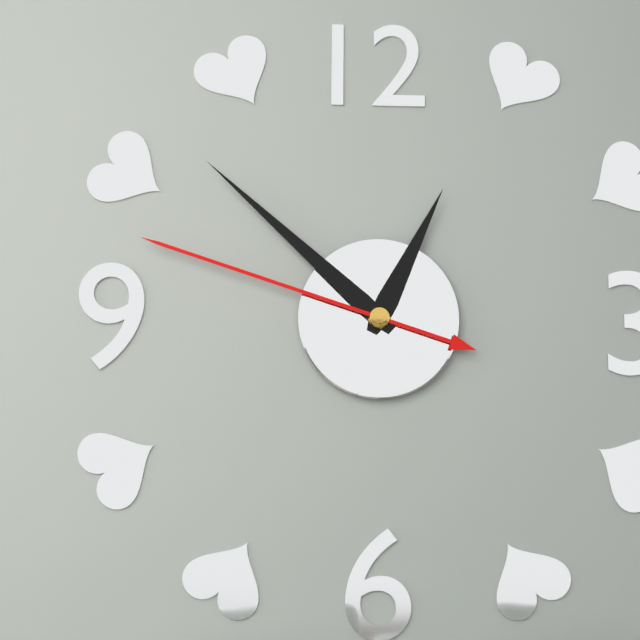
{"hour": 12, "minute": 52, "second": 48}
